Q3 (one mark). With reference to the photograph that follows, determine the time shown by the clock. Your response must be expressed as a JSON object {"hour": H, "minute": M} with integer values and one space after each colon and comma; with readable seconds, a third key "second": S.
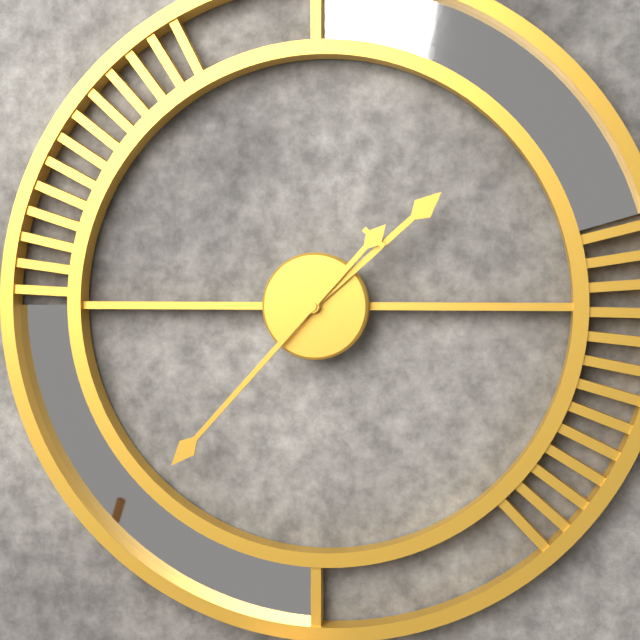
{"hour": 1, "minute": 37}
